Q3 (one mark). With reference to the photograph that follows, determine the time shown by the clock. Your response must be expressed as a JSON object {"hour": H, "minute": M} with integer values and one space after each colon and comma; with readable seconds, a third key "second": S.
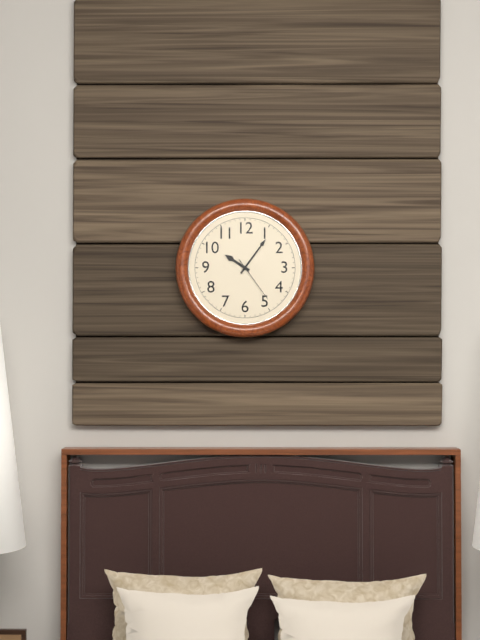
{"hour": 10, "minute": 6}
